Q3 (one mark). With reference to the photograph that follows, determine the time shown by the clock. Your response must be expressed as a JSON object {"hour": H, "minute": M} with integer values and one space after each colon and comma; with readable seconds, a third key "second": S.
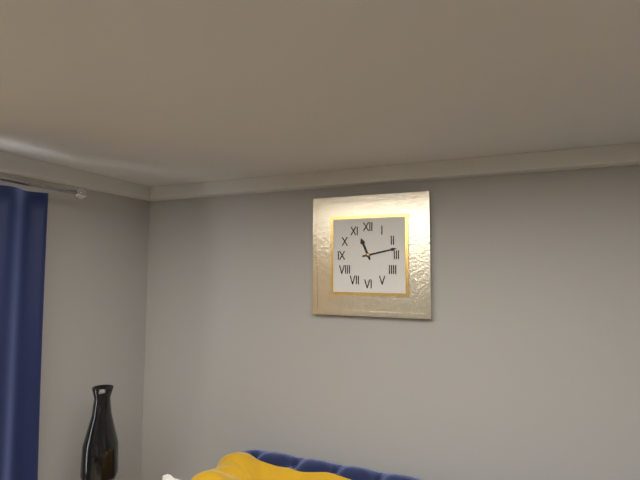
{"hour": 11, "minute": 13}
